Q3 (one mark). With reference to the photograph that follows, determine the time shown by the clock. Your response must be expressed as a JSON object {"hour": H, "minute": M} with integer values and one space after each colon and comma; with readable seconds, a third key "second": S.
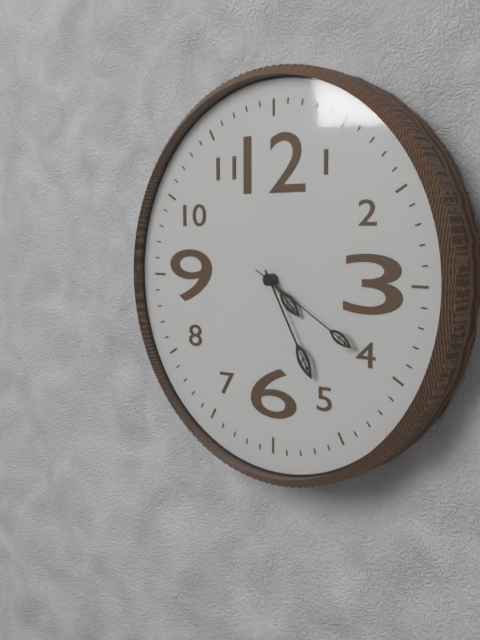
{"hour": 4, "minute": 25, "second": 20}
